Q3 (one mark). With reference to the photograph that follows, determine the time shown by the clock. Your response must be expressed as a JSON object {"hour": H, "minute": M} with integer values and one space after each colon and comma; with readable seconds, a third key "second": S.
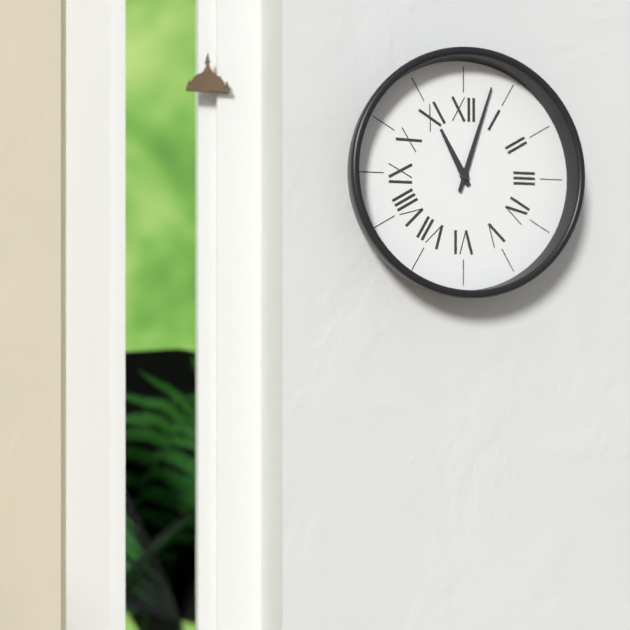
{"hour": 11, "minute": 3}
